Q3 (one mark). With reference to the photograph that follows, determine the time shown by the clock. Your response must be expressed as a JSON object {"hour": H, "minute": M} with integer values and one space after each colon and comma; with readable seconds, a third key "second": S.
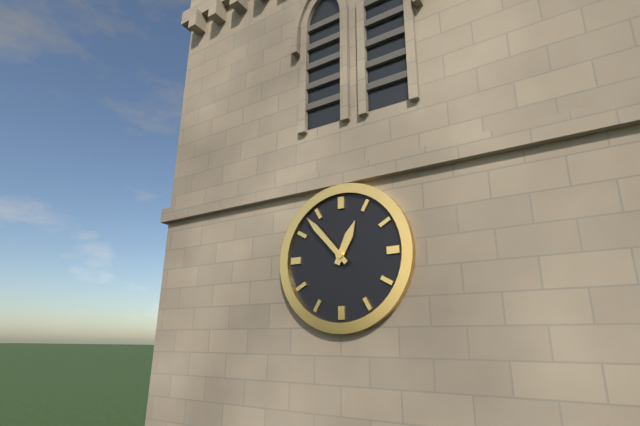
{"hour": 12, "minute": 53}
